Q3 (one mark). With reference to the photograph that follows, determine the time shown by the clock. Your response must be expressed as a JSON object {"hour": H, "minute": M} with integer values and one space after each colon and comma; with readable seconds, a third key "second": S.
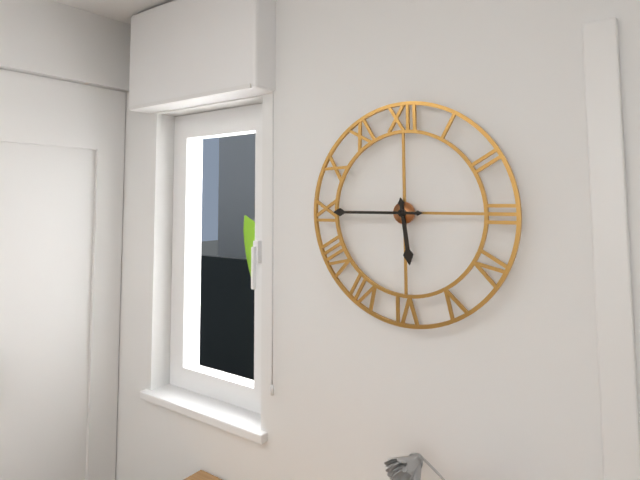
{"hour": 5, "minute": 45}
